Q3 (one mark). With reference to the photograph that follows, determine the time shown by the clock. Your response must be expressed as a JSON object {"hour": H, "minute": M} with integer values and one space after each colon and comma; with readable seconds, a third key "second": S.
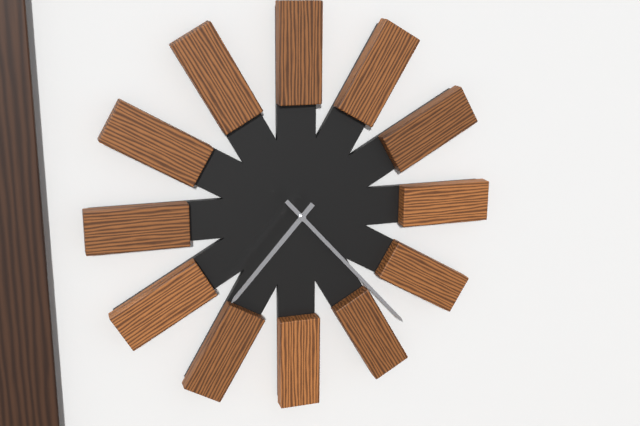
{"hour": 7, "minute": 23}
